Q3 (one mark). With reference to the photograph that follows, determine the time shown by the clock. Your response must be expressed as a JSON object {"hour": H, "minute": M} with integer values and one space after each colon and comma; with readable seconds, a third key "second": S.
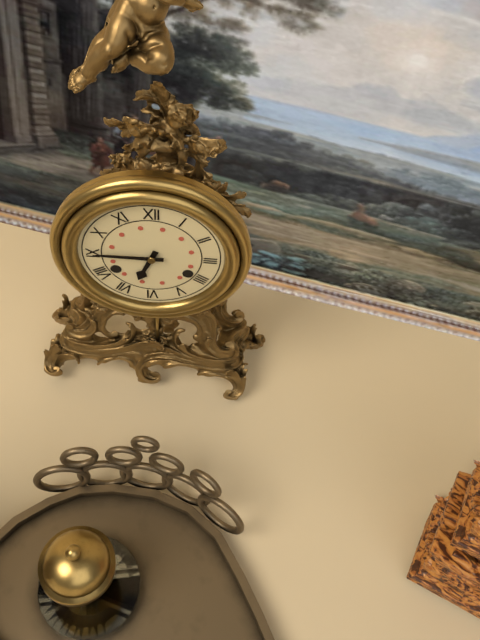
{"hour": 6, "minute": 45}
